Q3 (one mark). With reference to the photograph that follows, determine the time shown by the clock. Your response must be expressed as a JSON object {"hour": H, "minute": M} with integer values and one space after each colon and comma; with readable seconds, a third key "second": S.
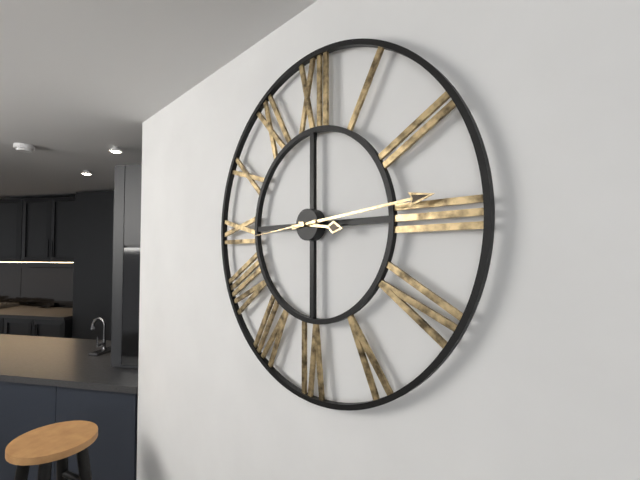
{"hour": 3, "minute": 14, "second": 44}
